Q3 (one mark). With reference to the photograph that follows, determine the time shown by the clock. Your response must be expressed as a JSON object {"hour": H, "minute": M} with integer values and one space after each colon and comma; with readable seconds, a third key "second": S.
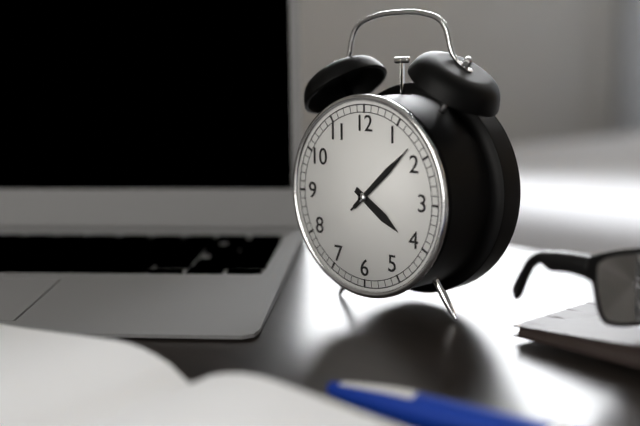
{"hour": 4, "minute": 8, "second": 8}
